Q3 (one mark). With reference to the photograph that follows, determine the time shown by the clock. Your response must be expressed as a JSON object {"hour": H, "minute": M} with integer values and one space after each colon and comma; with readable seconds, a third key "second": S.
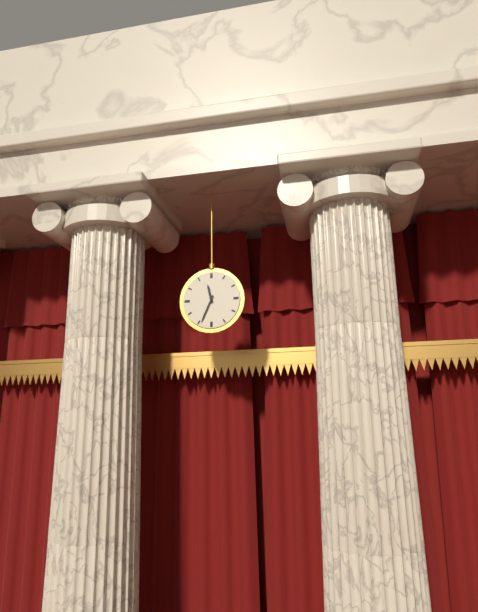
{"hour": 11, "minute": 34}
